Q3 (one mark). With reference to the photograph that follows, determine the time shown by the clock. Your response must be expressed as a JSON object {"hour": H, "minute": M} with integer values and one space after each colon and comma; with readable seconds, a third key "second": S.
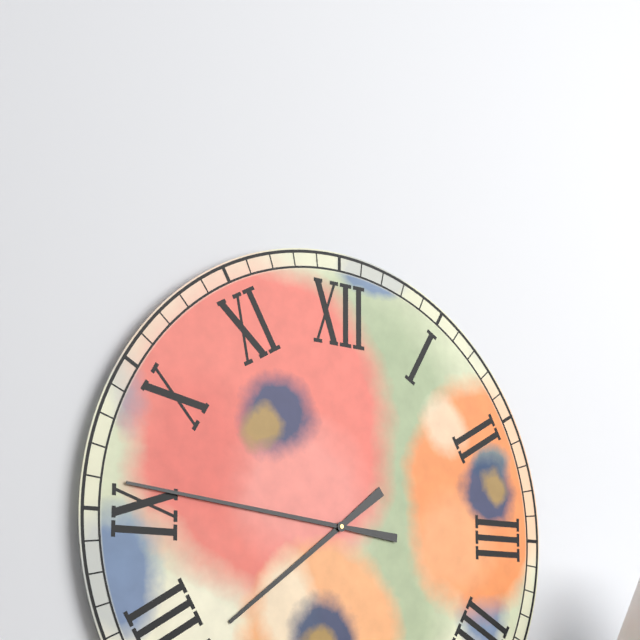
{"hour": 7, "minute": 46}
